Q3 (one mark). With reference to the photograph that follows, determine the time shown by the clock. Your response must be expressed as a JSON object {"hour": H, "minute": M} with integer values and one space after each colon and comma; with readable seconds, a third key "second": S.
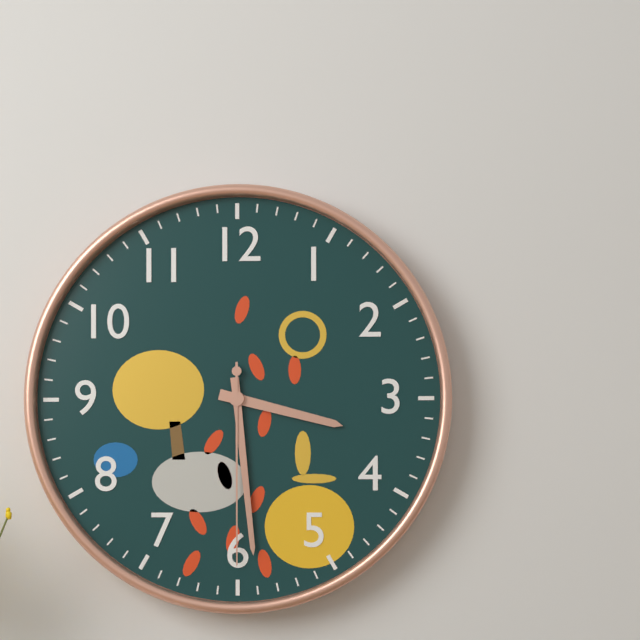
{"hour": 3, "minute": 29, "second": 30}
